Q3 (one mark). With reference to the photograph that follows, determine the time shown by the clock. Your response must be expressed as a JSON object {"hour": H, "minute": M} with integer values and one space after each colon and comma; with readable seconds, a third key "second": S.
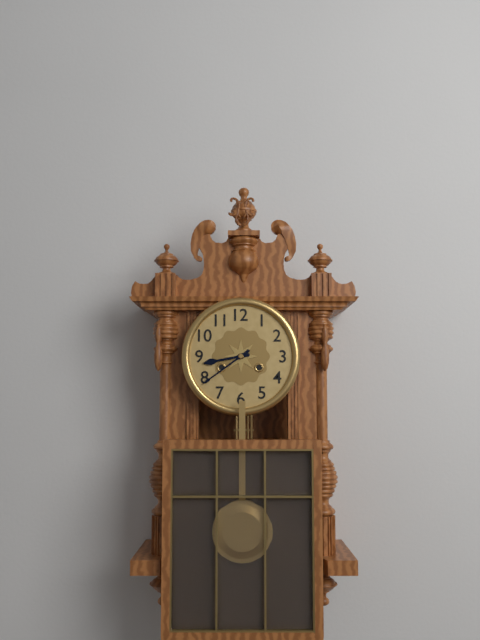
{"hour": 8, "minute": 39}
